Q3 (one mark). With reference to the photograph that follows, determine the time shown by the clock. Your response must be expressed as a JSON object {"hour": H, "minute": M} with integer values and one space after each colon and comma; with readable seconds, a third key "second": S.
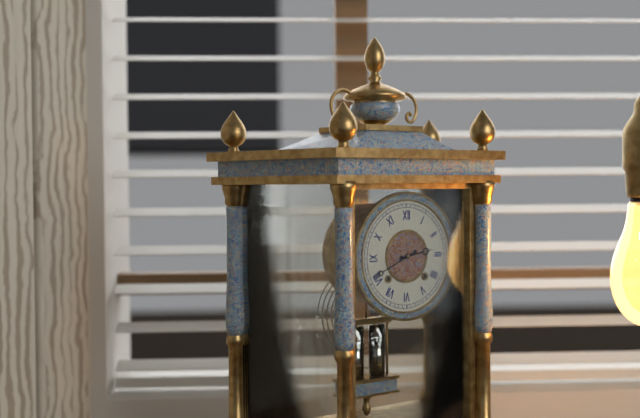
{"hour": 2, "minute": 41}
